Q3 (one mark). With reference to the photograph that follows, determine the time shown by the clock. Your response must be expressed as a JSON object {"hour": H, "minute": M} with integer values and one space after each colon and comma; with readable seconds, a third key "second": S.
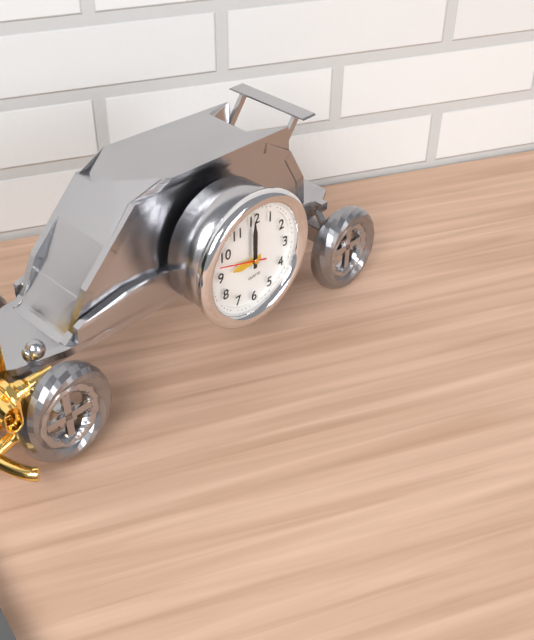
{"hour": 9, "minute": 0}
